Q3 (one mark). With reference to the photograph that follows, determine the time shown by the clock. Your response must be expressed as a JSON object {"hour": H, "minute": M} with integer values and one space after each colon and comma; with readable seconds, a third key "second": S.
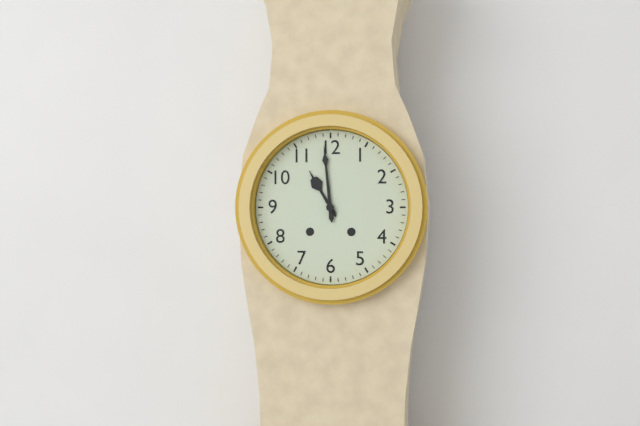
{"hour": 10, "minute": 59}
